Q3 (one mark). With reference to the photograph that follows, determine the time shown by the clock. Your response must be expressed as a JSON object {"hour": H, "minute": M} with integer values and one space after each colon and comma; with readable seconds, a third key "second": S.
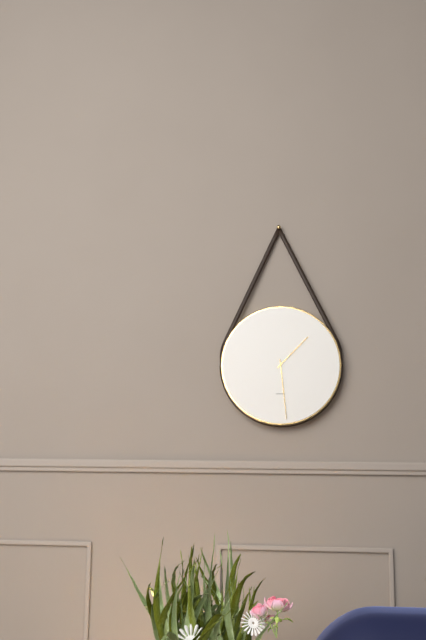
{"hour": 1, "minute": 29}
